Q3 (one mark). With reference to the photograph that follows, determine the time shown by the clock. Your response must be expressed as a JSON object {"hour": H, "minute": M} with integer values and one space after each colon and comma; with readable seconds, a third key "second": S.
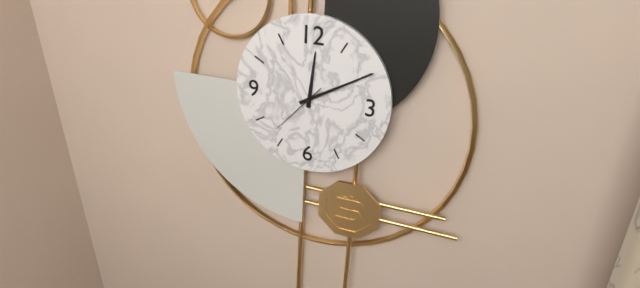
{"hour": 12, "minute": 10, "second": 37}
